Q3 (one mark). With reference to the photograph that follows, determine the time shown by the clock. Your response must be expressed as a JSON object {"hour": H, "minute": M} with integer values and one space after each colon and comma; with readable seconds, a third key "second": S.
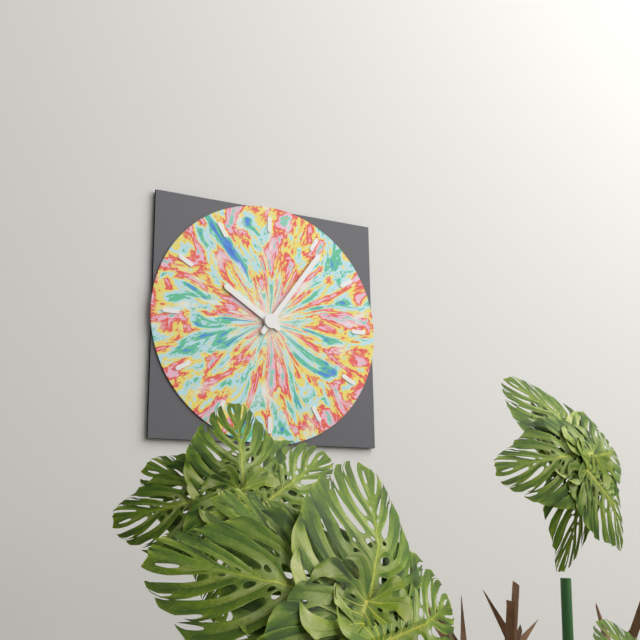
{"hour": 10, "minute": 6}
